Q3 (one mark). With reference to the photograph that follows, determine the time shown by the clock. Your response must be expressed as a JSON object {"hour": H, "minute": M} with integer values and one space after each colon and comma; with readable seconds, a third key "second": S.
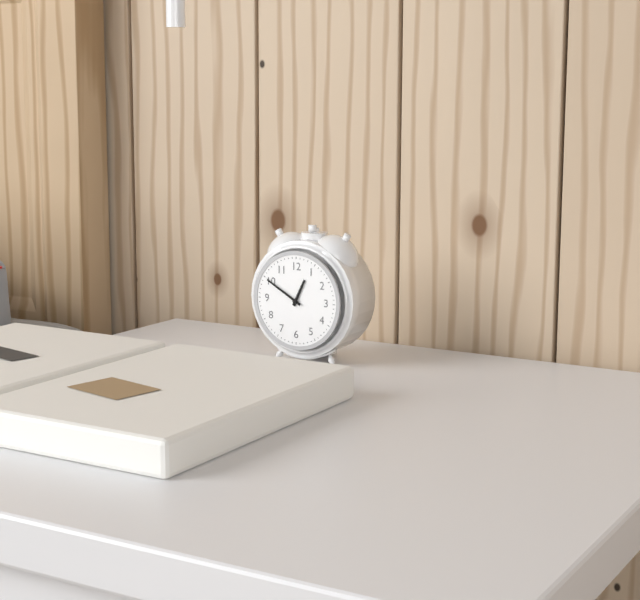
{"hour": 12, "minute": 50}
